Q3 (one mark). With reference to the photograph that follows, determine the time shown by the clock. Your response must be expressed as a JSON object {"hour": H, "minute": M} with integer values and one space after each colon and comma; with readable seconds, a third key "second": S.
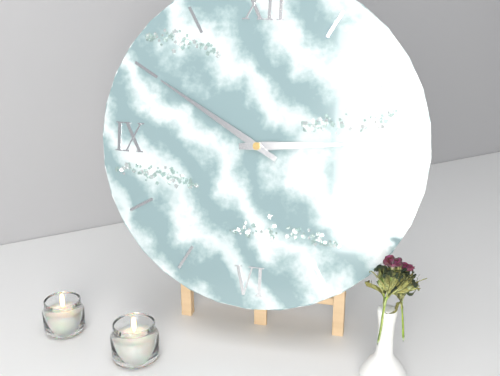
{"hour": 2, "minute": 50}
